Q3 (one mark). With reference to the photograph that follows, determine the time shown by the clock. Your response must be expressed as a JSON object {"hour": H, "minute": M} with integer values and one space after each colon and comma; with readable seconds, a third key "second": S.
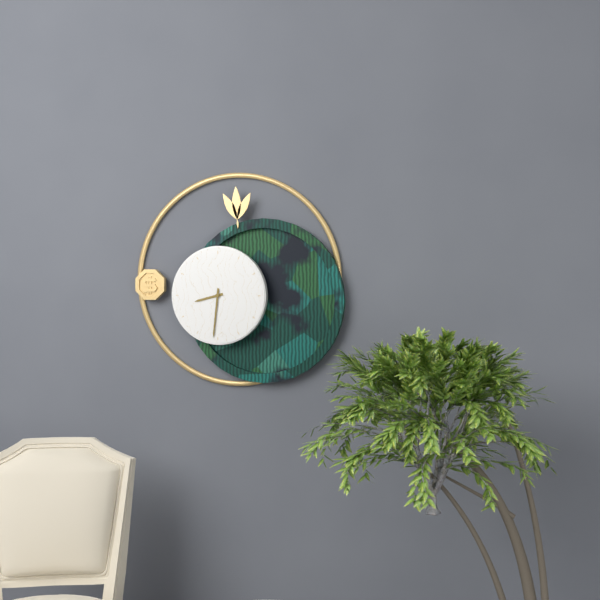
{"hour": 8, "minute": 31}
